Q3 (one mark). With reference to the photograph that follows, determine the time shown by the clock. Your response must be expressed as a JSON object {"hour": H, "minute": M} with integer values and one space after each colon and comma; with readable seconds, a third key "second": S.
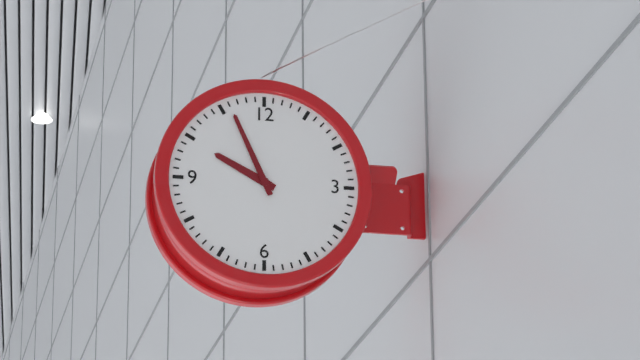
{"hour": 9, "minute": 56}
